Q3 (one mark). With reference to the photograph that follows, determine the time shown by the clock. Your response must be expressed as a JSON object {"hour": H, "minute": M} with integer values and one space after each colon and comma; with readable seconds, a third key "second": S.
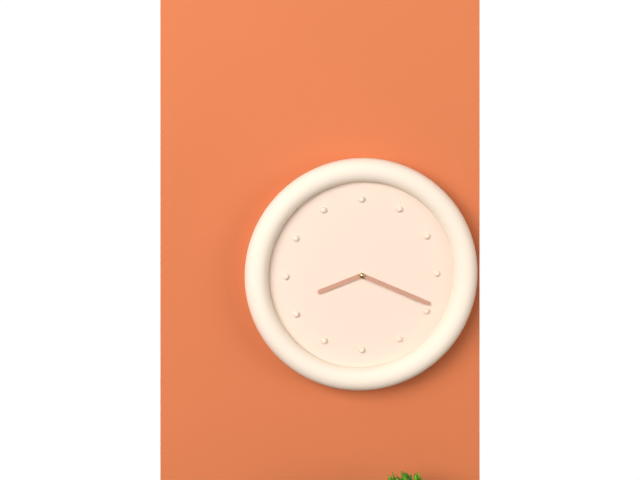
{"hour": 8, "minute": 19}
